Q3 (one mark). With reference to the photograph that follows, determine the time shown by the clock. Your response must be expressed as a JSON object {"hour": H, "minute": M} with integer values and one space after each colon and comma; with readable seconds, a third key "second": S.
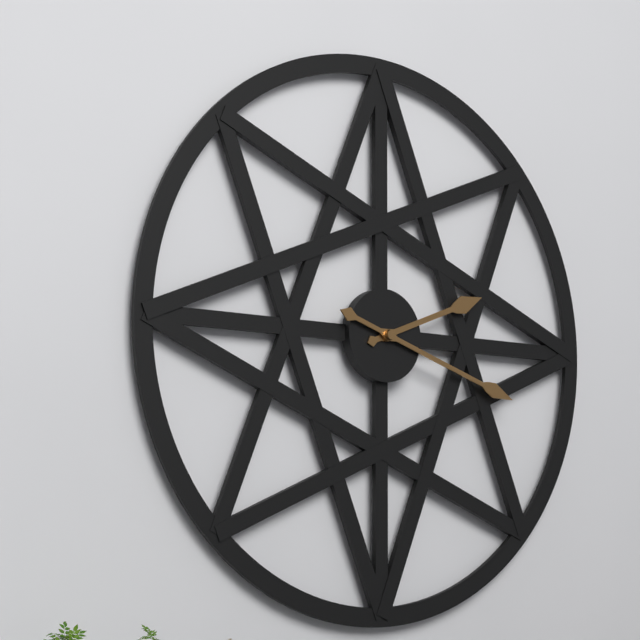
{"hour": 2, "minute": 18}
